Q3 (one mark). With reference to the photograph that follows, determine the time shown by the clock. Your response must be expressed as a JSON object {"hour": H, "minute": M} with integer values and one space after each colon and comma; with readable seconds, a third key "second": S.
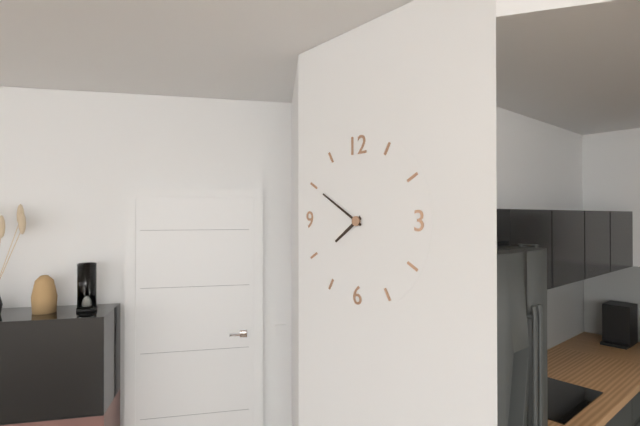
{"hour": 7, "minute": 50}
